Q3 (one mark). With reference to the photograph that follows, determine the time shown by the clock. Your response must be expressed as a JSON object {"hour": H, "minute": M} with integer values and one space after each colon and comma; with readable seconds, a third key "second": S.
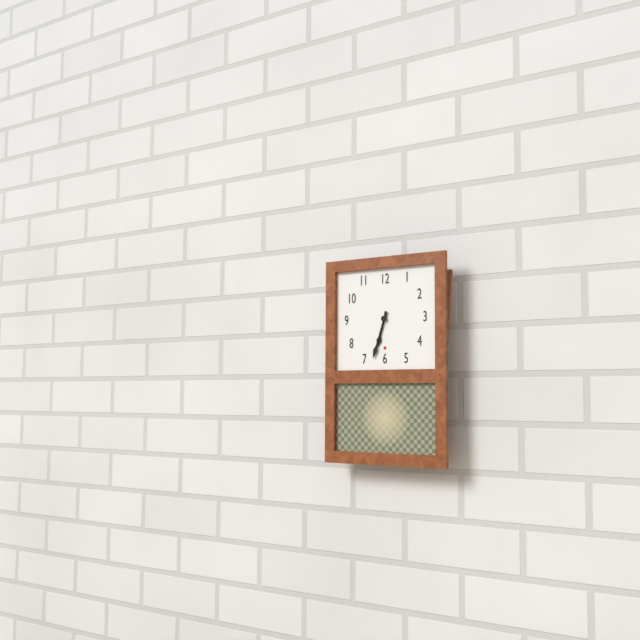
{"hour": 6, "minute": 33}
